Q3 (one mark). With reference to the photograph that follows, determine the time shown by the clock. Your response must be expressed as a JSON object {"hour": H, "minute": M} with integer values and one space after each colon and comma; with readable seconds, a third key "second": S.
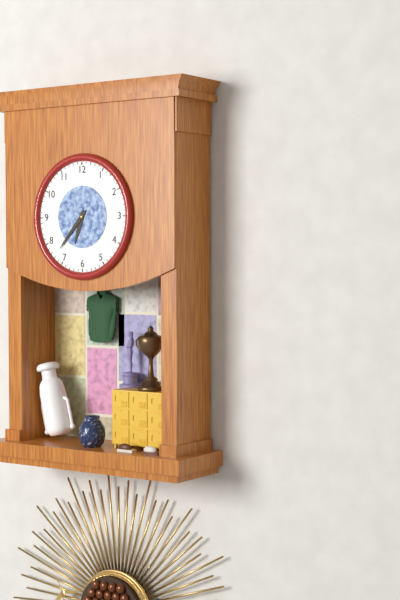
{"hour": 6, "minute": 37}
